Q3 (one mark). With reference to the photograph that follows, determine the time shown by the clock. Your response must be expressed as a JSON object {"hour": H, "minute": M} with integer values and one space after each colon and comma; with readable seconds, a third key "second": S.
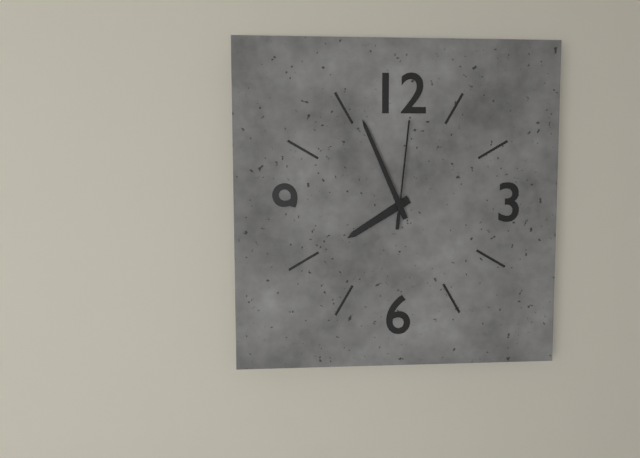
{"hour": 7, "minute": 56, "second": 1}
